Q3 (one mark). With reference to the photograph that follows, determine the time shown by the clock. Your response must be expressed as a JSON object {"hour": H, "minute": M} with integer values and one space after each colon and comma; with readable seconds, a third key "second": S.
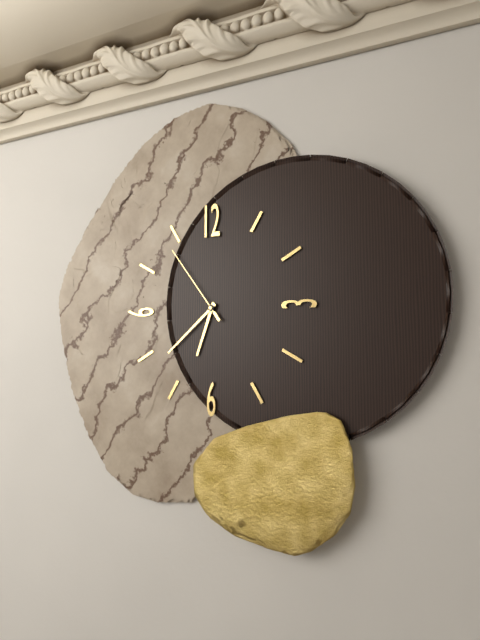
{"hour": 6, "minute": 38, "second": 54}
